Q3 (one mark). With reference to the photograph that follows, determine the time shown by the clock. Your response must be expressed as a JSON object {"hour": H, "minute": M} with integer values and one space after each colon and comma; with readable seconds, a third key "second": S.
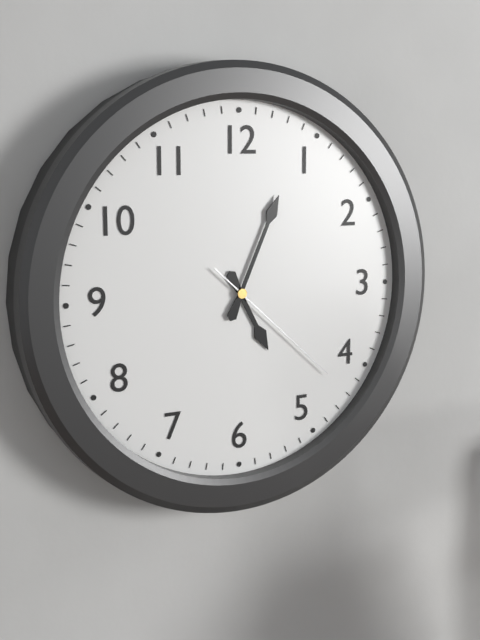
{"hour": 5, "minute": 4, "second": 22}
